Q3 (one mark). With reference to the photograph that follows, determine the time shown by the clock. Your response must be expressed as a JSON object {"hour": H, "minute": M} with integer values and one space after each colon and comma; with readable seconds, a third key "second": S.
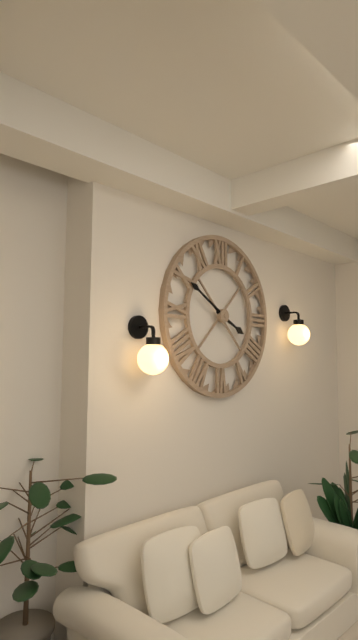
{"hour": 3, "minute": 50}
